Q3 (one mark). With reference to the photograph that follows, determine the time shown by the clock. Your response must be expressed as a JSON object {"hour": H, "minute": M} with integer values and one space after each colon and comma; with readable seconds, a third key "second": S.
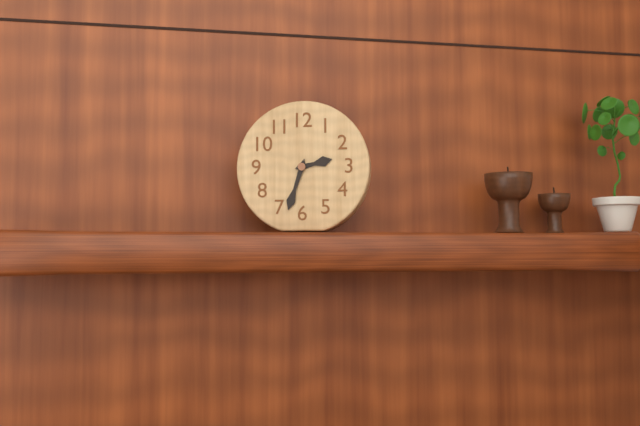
{"hour": 2, "minute": 33}
